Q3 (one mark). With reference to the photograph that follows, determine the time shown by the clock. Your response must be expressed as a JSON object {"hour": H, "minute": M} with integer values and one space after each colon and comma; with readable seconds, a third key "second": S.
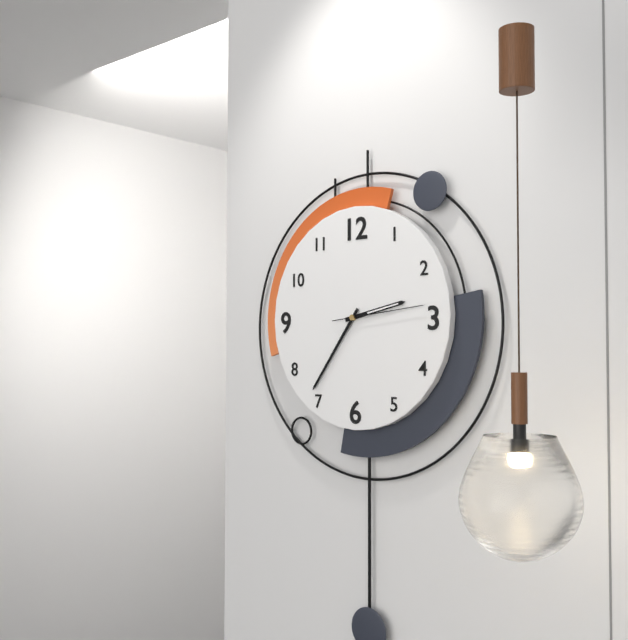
{"hour": 2, "minute": 36, "second": 14}
